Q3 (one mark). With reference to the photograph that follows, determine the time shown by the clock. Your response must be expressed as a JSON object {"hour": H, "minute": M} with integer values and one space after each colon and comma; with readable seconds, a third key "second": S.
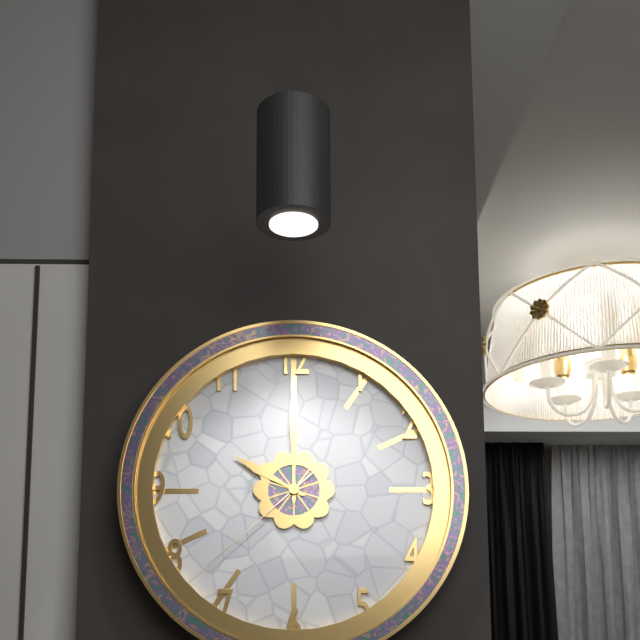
{"hour": 10, "minute": 0, "second": 38}
